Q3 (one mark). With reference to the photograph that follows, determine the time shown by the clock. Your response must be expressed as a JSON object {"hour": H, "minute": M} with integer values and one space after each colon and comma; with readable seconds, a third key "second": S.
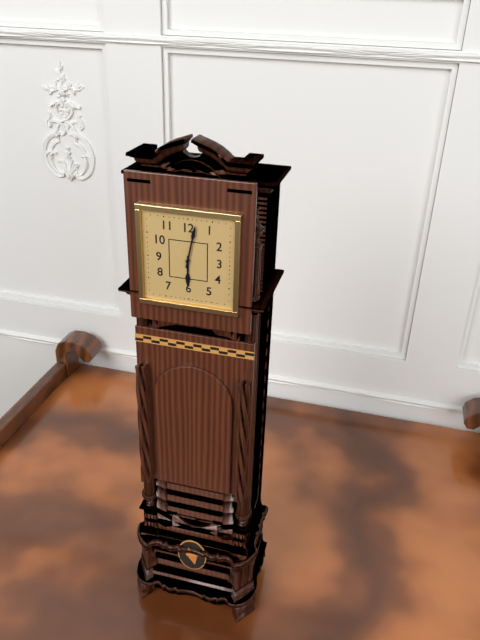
{"hour": 6, "minute": 2}
